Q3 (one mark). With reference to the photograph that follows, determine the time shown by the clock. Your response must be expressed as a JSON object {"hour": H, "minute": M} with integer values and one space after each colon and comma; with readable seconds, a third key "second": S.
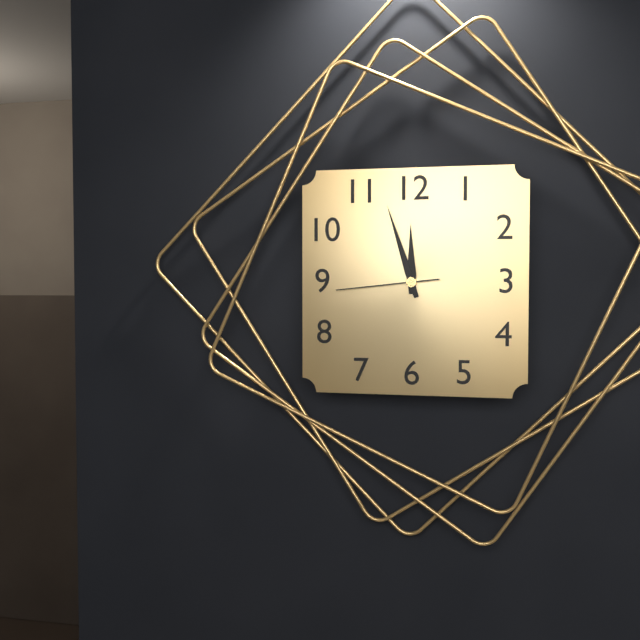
{"hour": 11, "minute": 57, "second": 44}
